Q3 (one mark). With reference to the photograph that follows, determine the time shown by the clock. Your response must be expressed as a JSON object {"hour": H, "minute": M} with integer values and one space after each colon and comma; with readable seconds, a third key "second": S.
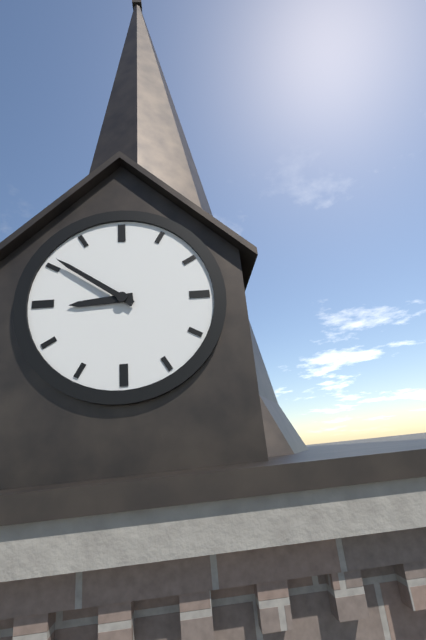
{"hour": 8, "minute": 51}
